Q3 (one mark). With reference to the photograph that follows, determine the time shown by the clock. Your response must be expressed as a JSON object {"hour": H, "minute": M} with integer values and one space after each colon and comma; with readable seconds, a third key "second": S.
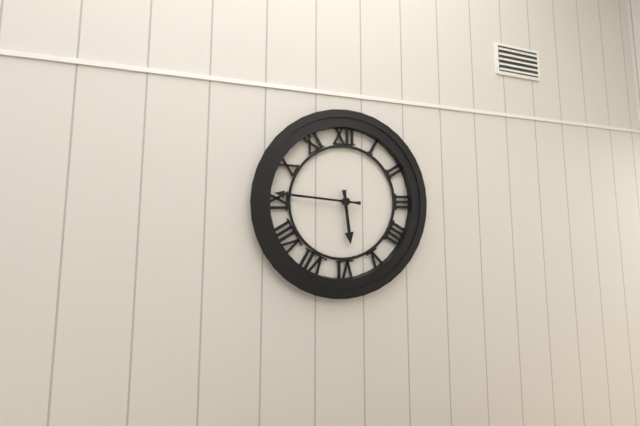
{"hour": 5, "minute": 46}
